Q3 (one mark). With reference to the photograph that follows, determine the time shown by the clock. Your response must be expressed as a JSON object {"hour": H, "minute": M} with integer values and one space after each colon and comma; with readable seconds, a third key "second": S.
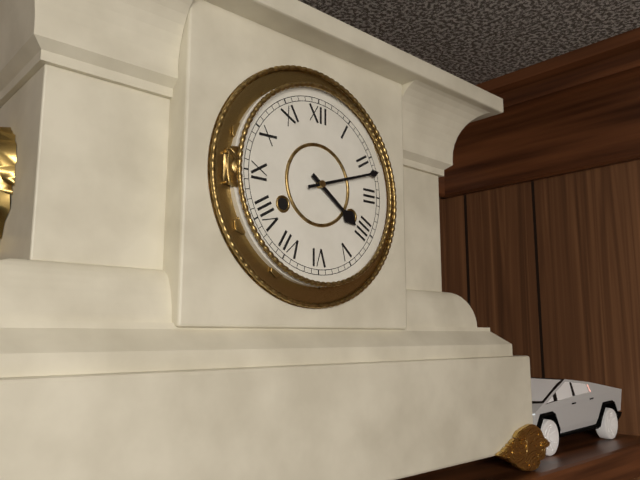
{"hour": 4, "minute": 12}
